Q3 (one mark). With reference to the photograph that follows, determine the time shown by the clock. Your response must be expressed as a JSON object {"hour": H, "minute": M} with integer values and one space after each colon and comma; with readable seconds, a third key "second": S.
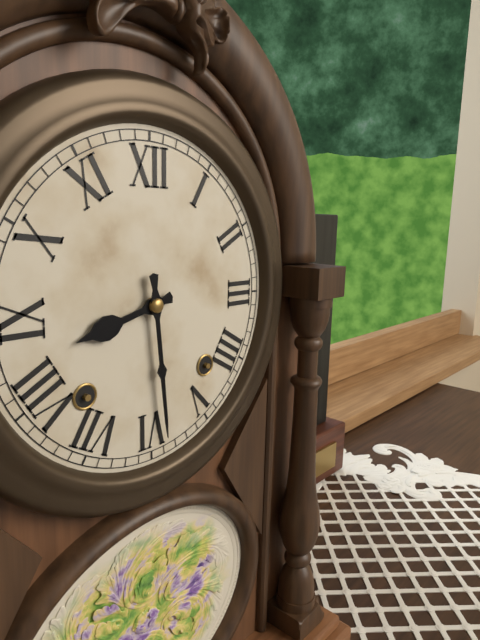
{"hour": 8, "minute": 29}
